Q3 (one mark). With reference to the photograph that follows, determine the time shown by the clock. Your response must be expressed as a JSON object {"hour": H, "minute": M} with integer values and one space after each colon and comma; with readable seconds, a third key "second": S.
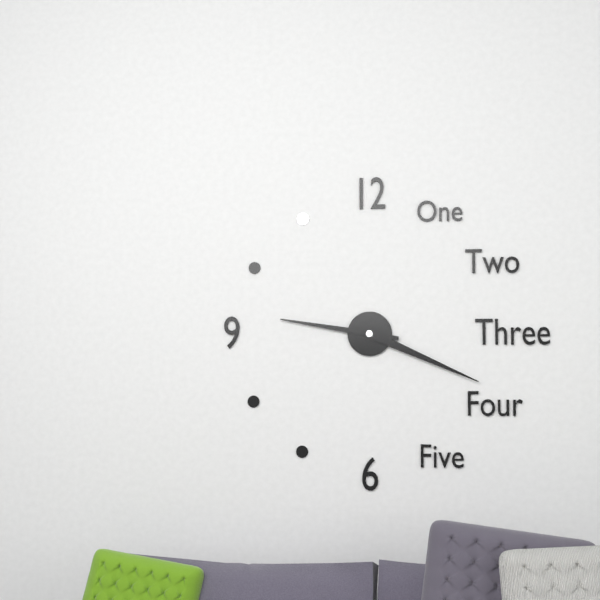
{"hour": 9, "minute": 19}
